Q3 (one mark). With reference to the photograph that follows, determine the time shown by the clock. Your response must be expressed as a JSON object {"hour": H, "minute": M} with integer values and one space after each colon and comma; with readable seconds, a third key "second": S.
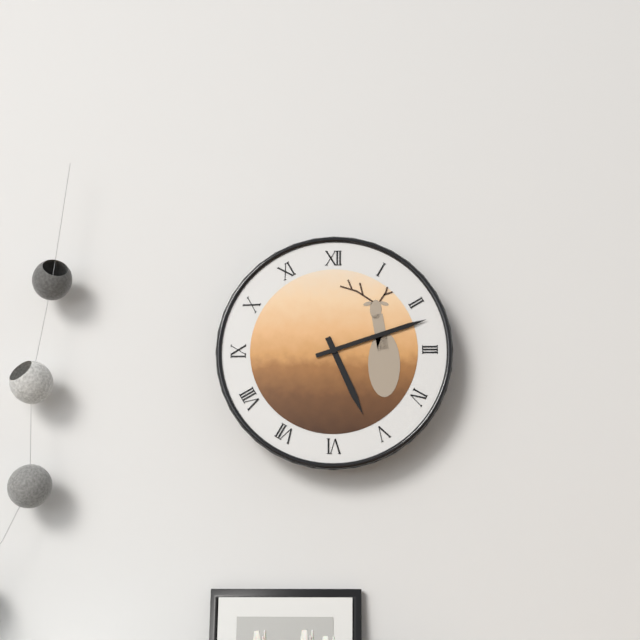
{"hour": 5, "minute": 12}
